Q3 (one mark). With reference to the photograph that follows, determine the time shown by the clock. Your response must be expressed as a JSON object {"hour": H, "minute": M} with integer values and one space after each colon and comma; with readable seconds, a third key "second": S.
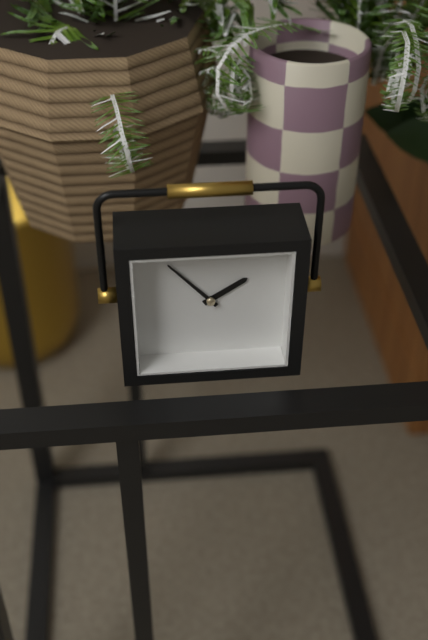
{"hour": 1, "minute": 53}
